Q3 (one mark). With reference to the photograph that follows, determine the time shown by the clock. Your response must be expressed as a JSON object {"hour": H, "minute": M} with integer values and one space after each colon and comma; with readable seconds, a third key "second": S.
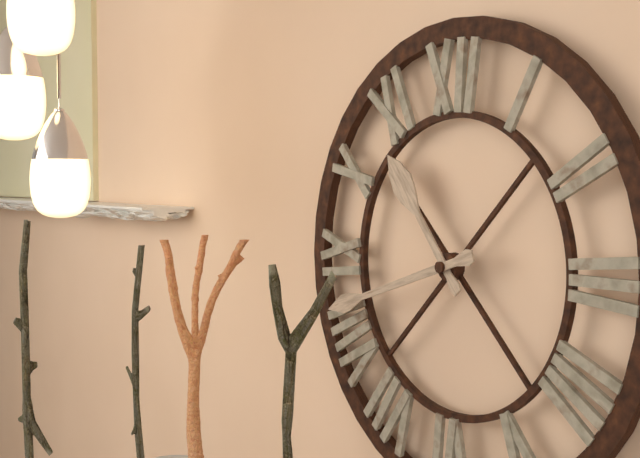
{"hour": 10, "minute": 42}
